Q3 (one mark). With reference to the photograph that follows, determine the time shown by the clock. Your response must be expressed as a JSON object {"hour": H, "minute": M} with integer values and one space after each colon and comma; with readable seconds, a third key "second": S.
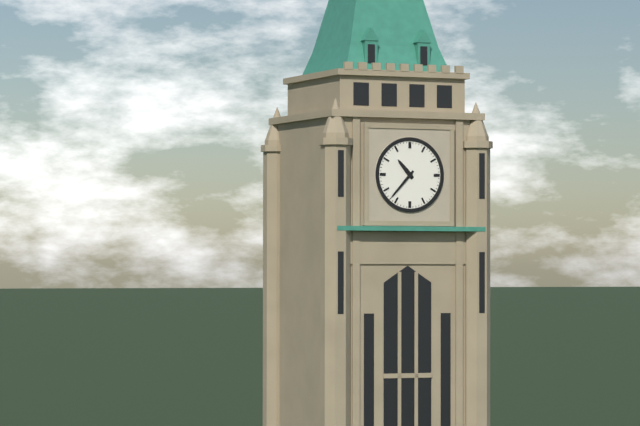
{"hour": 10, "minute": 37}
